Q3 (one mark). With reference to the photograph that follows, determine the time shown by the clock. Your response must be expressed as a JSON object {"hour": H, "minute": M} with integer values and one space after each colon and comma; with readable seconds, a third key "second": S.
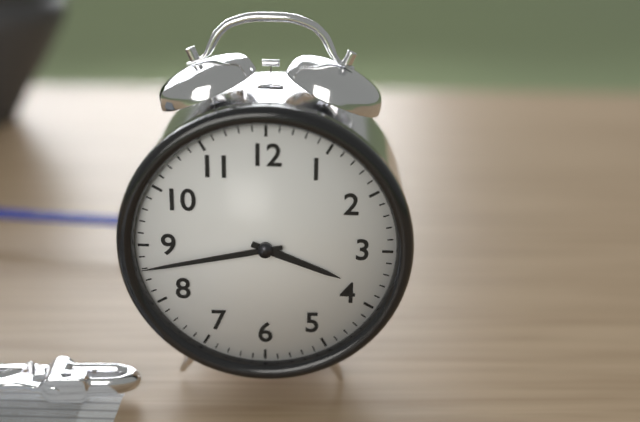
{"hour": 3, "minute": 43}
